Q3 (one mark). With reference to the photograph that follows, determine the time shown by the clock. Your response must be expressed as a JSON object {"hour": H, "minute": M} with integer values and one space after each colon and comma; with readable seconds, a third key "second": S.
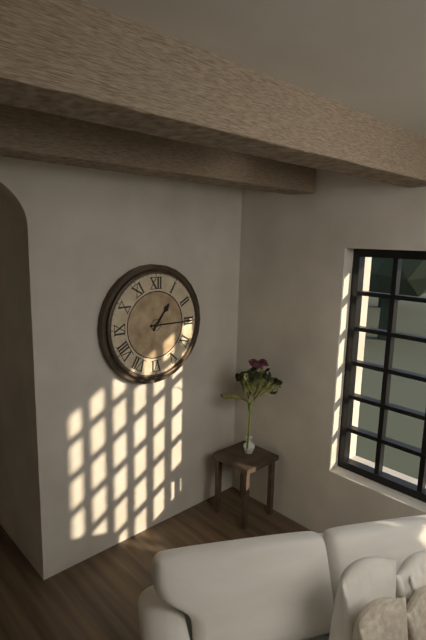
{"hour": 1, "minute": 15}
